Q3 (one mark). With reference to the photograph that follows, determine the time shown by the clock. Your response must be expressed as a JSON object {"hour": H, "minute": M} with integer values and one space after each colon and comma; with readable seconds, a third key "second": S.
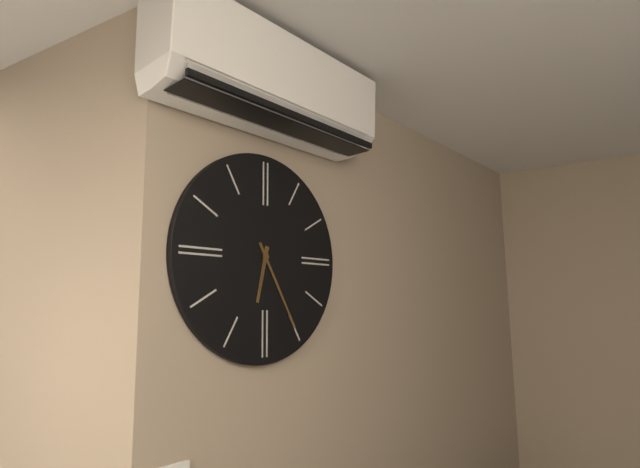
{"hour": 6, "minute": 25}
